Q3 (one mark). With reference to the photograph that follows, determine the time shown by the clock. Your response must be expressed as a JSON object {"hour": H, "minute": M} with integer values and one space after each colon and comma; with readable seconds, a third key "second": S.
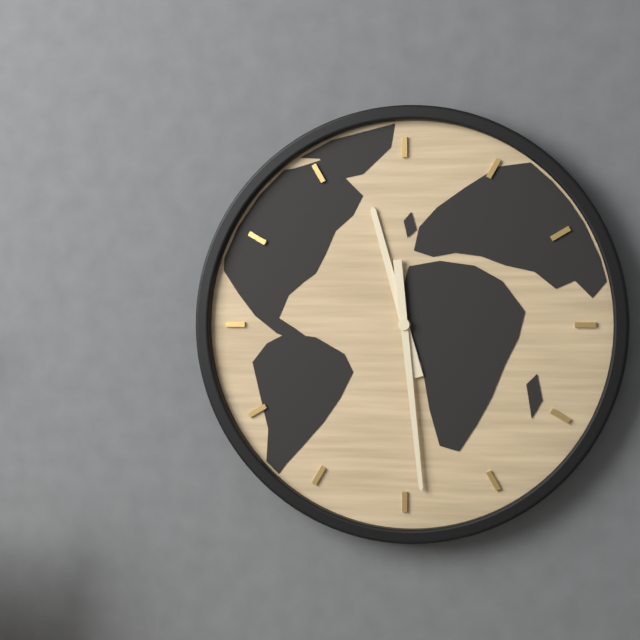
{"hour": 11, "minute": 29}
